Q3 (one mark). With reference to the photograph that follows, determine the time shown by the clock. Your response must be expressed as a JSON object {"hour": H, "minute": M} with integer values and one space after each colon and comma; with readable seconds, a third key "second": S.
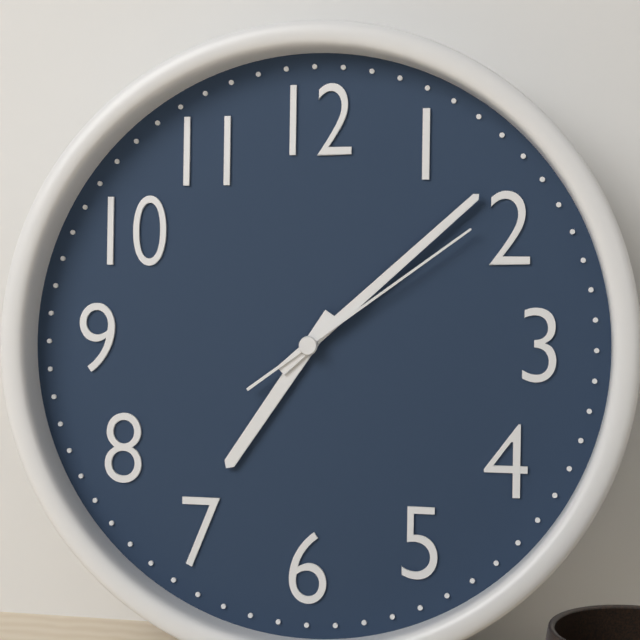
{"hour": 7, "minute": 8, "second": 9}
